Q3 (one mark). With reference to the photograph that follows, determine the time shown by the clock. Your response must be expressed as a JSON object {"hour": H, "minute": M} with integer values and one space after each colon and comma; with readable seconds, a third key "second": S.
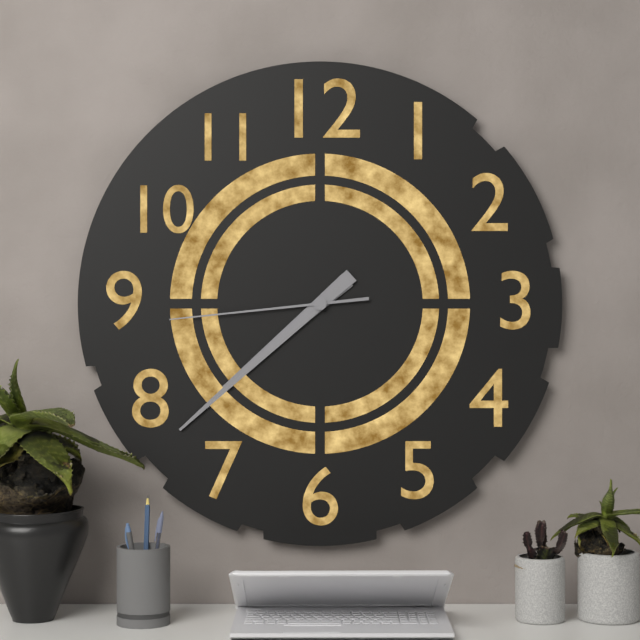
{"hour": 7, "minute": 38, "second": 44}
